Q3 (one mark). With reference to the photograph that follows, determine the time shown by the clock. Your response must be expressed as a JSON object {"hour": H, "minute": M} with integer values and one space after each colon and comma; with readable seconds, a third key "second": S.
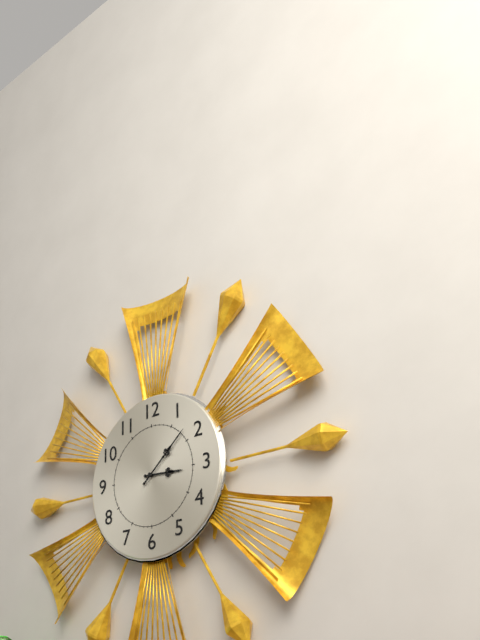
{"hour": 3, "minute": 8}
